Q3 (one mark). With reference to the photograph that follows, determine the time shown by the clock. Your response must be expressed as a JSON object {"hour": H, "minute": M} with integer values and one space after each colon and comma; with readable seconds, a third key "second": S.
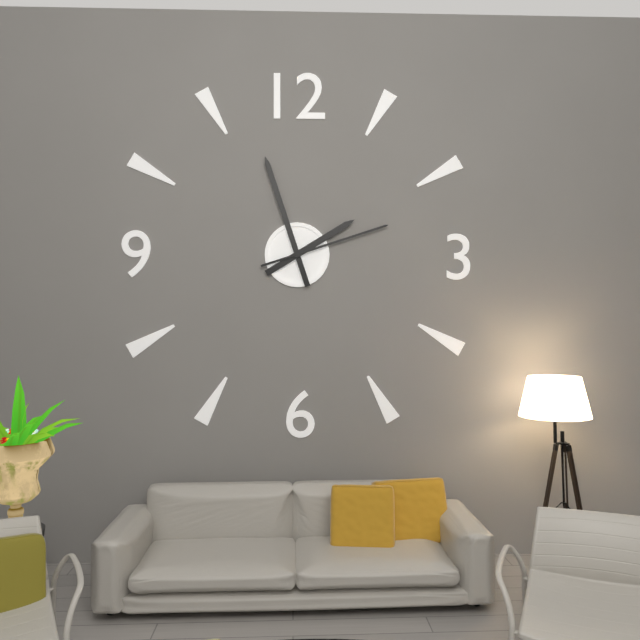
{"hour": 1, "minute": 57, "second": 12}
